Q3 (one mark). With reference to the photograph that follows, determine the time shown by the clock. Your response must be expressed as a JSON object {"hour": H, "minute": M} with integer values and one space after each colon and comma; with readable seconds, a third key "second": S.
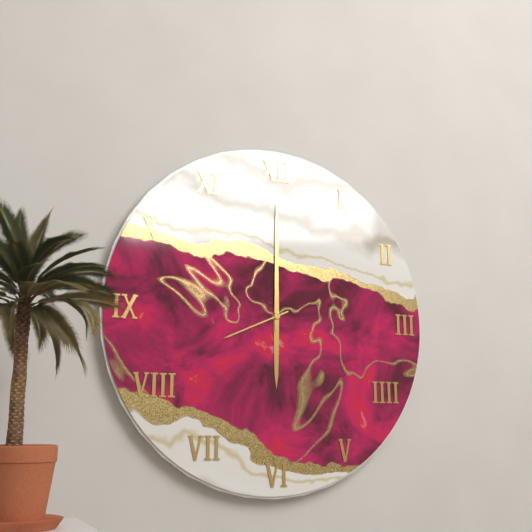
{"hour": 6, "minute": 0, "second": 41}
